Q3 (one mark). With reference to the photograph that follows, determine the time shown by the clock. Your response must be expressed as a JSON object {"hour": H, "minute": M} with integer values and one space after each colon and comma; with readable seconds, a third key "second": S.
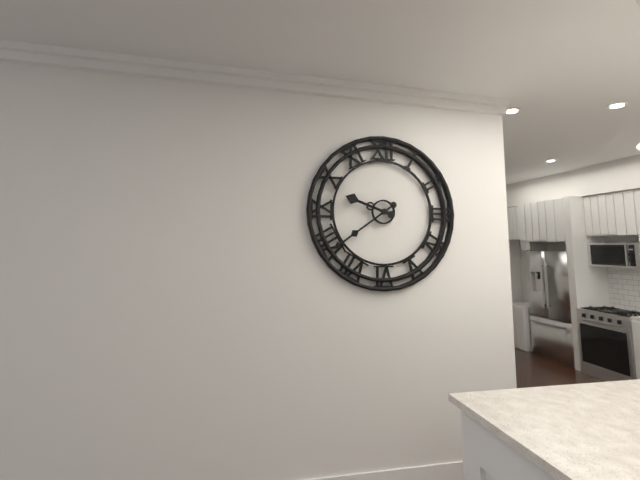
{"hour": 9, "minute": 39}
